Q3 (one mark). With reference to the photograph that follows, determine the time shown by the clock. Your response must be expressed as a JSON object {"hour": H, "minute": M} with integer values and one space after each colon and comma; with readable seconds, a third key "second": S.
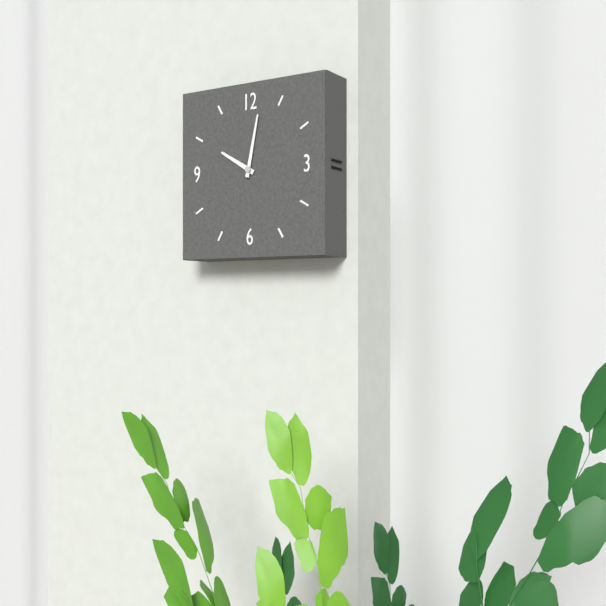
{"hour": 10, "minute": 2}
